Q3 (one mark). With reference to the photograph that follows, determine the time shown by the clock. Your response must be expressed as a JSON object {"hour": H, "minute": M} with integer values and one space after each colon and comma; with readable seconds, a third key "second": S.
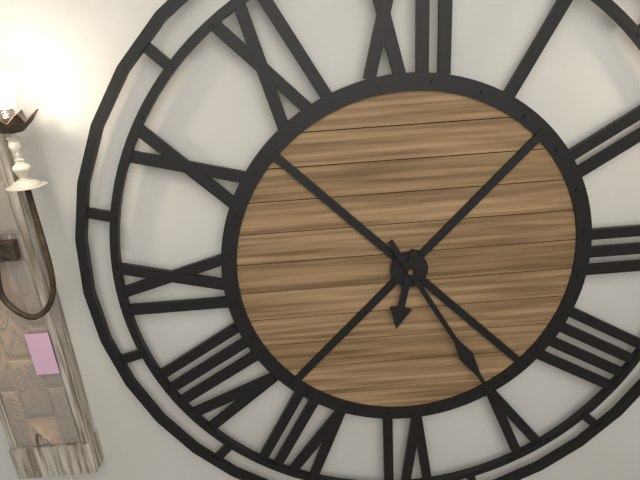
{"hour": 6, "minute": 25}
